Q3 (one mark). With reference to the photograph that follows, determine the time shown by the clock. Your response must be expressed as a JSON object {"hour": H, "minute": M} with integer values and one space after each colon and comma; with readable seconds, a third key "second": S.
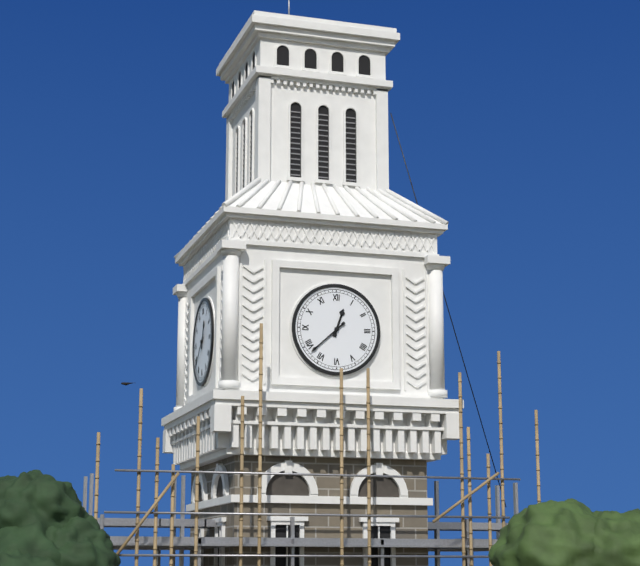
{"hour": 12, "minute": 38}
